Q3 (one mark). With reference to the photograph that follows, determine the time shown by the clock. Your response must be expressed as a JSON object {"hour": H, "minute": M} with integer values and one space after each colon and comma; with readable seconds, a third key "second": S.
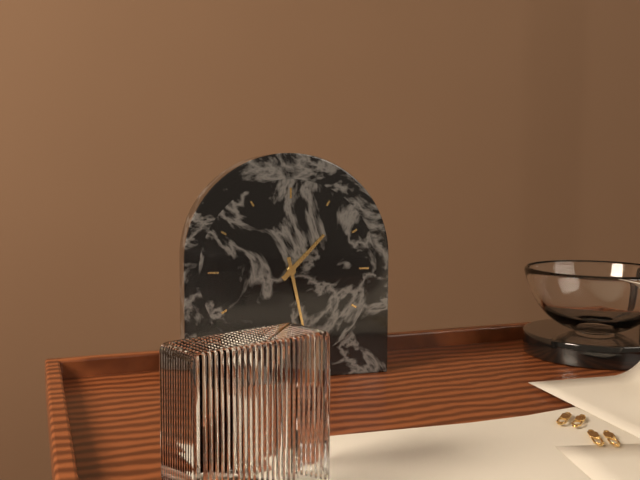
{"hour": 1, "minute": 28}
